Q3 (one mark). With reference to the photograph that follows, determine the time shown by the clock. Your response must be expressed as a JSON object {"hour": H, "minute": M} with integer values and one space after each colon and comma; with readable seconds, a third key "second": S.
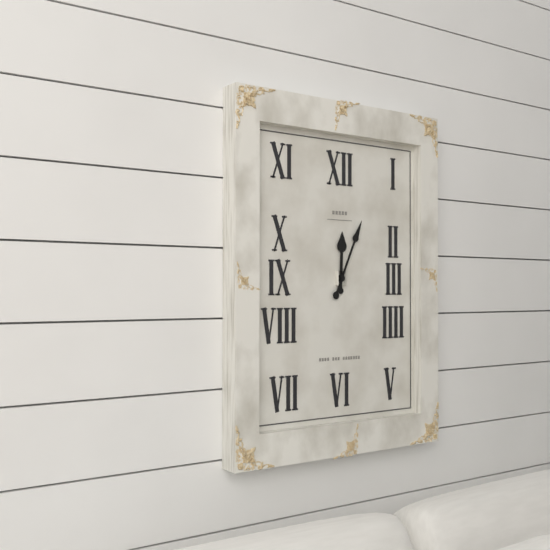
{"hour": 12, "minute": 4}
